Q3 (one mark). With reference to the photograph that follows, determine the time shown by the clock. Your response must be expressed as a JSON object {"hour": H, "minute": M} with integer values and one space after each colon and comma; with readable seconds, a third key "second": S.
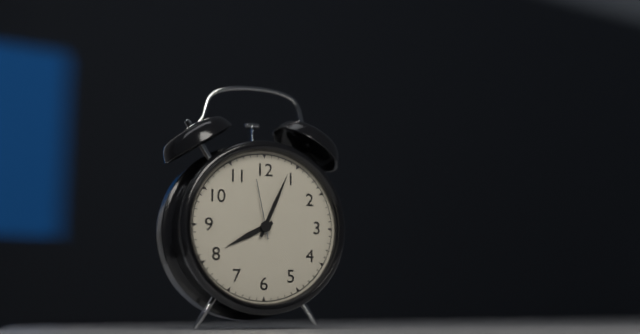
{"hour": 8, "minute": 4, "second": 58}
